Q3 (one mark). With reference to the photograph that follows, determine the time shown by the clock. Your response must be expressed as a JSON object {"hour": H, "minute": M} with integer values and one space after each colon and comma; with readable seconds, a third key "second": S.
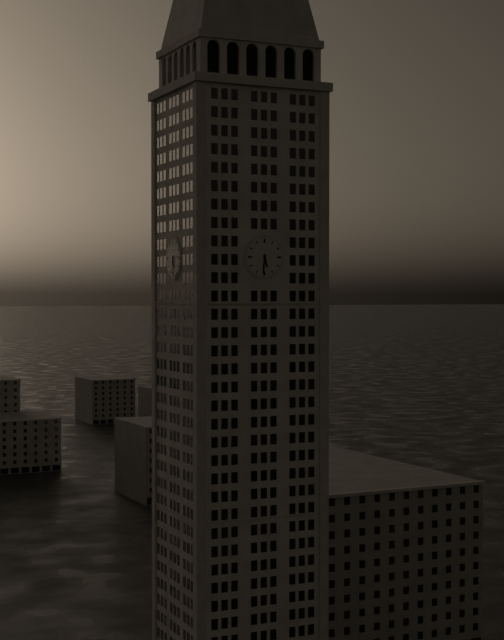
{"hour": 5, "minute": 31}
